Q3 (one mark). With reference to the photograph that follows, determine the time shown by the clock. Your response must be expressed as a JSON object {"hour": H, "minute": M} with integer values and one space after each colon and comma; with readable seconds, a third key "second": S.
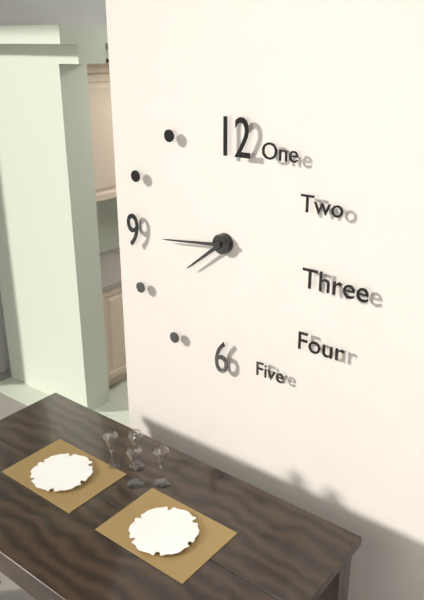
{"hour": 7, "minute": 44}
